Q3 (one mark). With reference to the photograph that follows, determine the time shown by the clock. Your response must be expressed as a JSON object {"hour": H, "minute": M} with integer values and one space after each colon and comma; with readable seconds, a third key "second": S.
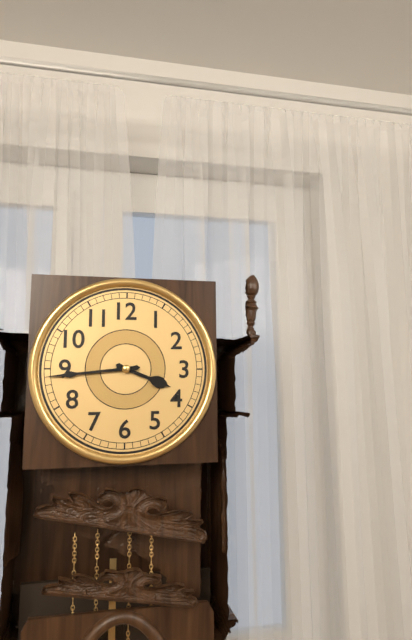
{"hour": 3, "minute": 44}
